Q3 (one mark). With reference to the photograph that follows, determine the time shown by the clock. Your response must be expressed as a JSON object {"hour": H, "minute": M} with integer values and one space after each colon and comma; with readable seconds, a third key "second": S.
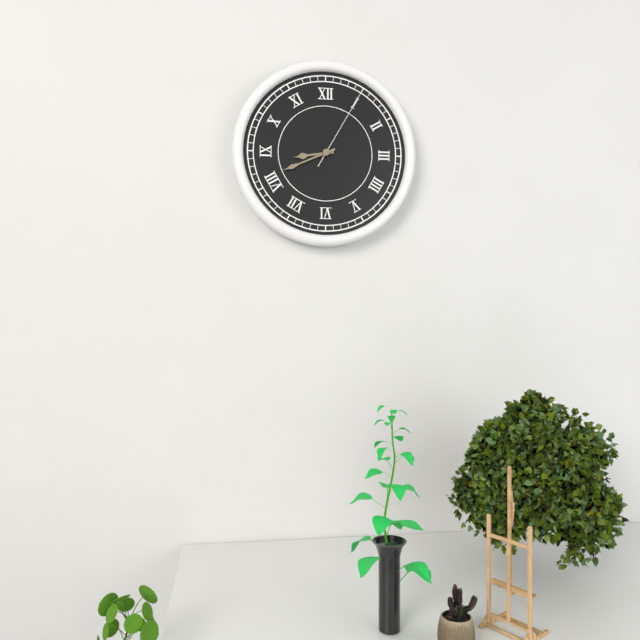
{"hour": 8, "minute": 41, "second": 5}
